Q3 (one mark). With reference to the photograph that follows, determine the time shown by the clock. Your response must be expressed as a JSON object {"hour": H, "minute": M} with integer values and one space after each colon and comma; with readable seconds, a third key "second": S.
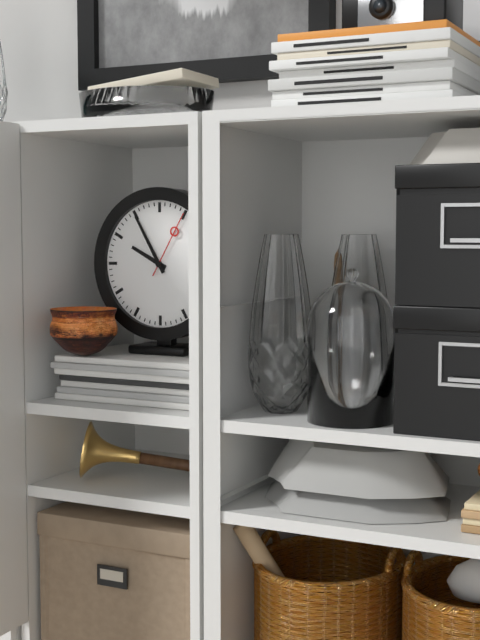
{"hour": 9, "minute": 55, "second": 5}
